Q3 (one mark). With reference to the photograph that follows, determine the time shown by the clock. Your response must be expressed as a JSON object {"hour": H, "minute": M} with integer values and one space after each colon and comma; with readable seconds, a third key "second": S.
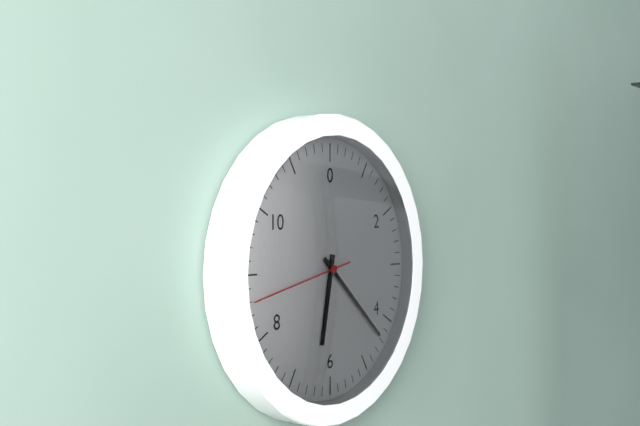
{"hour": 6, "minute": 22, "second": 43}
